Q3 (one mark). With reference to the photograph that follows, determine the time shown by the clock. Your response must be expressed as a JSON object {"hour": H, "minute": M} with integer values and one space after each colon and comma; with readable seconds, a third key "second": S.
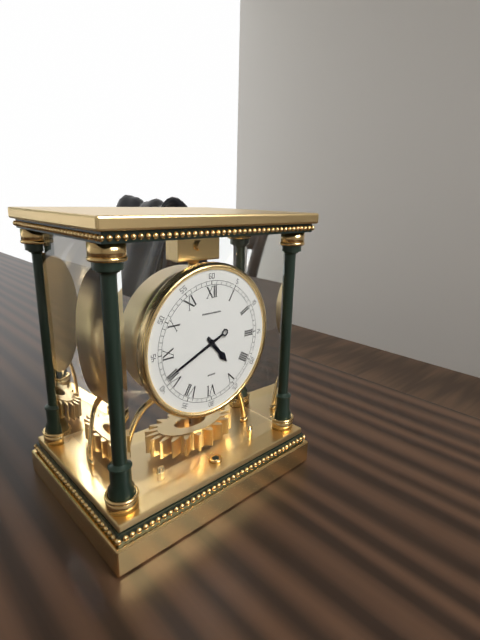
{"hour": 4, "minute": 41}
